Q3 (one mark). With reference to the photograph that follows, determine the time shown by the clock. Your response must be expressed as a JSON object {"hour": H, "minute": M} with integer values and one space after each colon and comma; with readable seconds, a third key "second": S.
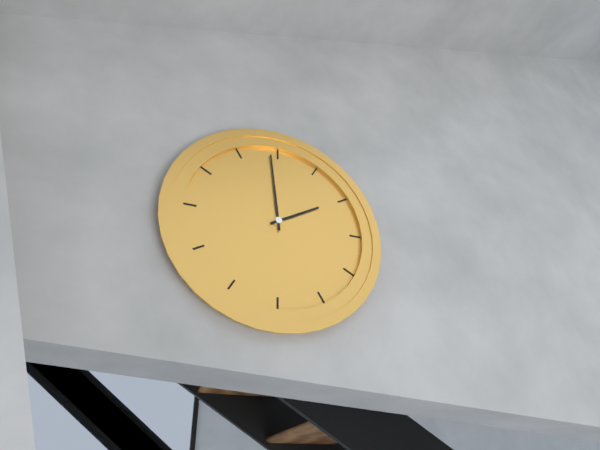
{"hour": 1, "minute": 59}
